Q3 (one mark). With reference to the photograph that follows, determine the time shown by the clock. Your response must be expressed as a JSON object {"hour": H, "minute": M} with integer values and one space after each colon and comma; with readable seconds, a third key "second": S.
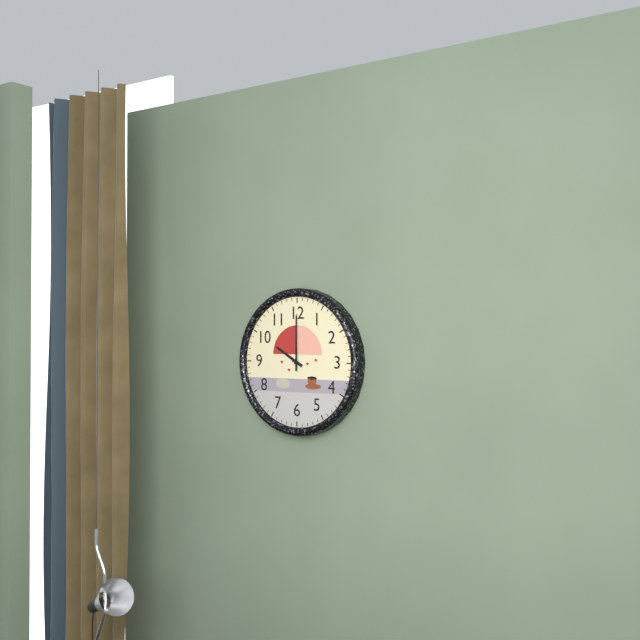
{"hour": 10, "minute": 0}
